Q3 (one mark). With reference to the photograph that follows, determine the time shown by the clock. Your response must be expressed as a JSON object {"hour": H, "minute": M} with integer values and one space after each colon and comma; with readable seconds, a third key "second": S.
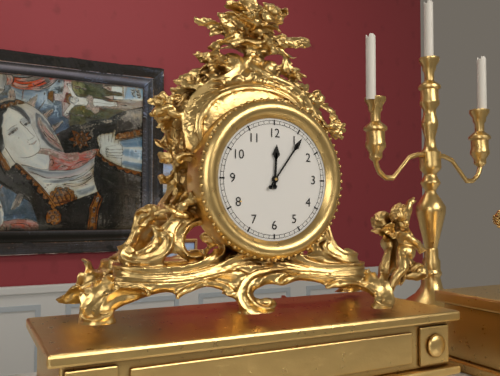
{"hour": 12, "minute": 6}
